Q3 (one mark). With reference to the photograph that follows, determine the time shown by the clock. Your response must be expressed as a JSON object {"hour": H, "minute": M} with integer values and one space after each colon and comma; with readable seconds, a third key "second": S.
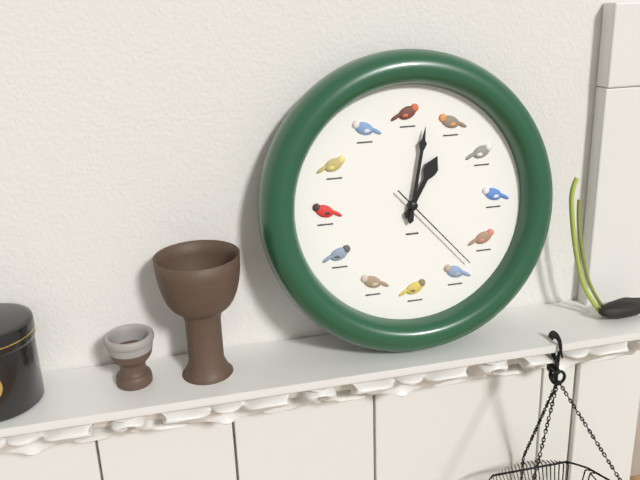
{"hour": 1, "minute": 2, "second": 23}
